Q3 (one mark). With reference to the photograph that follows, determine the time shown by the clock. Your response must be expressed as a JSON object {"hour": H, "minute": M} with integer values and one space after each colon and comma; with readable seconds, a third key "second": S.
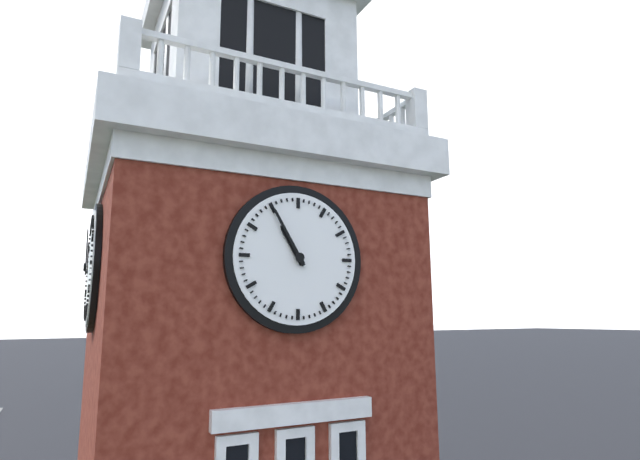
{"hour": 10, "minute": 55}
